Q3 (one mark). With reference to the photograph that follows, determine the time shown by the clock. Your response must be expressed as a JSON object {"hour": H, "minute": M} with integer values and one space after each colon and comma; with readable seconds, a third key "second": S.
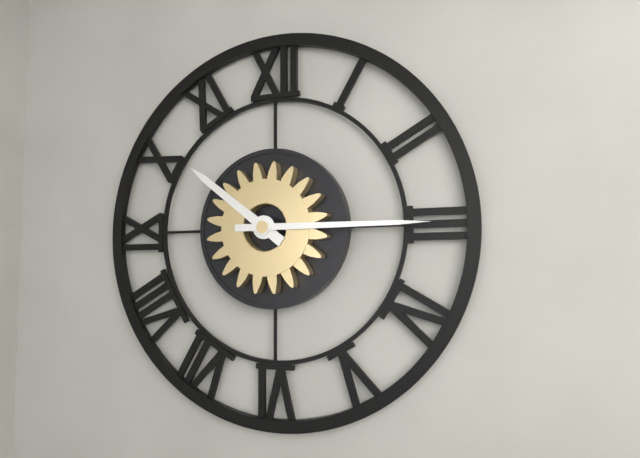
{"hour": 10, "minute": 15}
